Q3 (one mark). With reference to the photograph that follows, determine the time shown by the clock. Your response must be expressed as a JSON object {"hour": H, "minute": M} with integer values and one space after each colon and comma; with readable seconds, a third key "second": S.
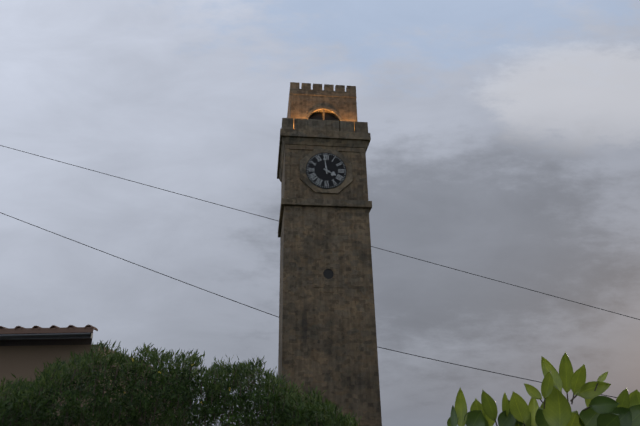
{"hour": 3, "minute": 59}
